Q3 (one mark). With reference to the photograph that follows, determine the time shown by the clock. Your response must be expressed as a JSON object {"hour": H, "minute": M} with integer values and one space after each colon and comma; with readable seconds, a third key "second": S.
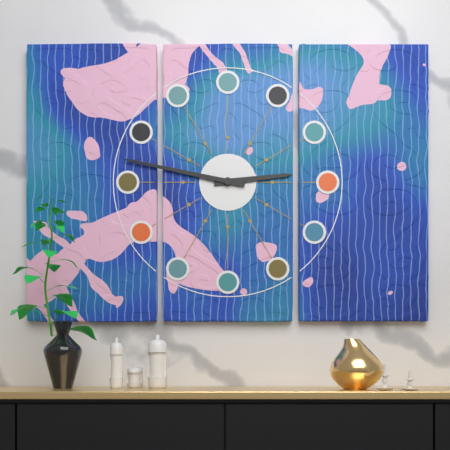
{"hour": 2, "minute": 47}
